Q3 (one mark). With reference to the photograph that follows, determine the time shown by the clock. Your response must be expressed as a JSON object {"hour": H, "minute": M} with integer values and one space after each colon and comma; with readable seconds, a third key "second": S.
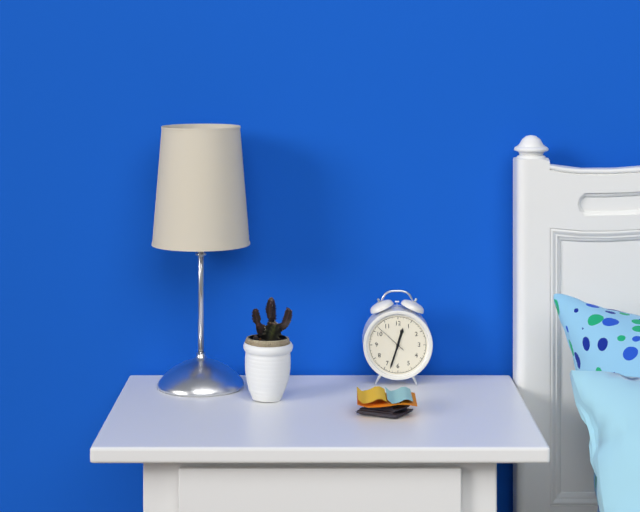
{"hour": 12, "minute": 33}
